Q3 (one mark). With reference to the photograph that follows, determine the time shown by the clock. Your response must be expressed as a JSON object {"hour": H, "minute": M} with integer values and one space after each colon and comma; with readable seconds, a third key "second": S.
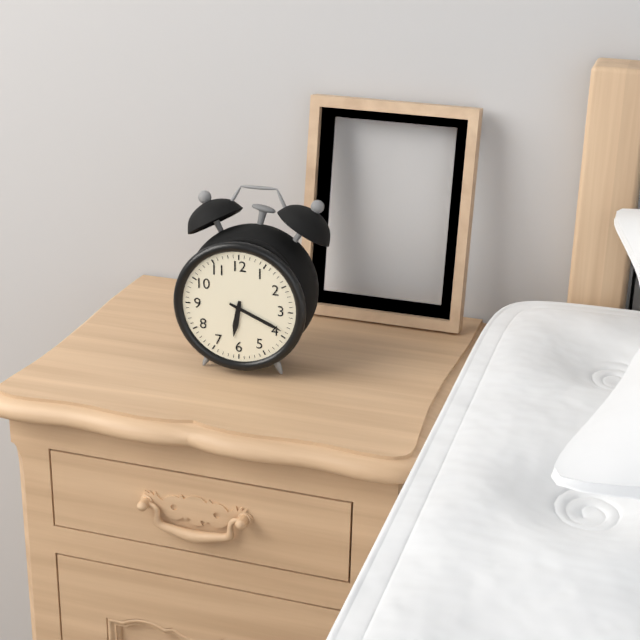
{"hour": 6, "minute": 19}
